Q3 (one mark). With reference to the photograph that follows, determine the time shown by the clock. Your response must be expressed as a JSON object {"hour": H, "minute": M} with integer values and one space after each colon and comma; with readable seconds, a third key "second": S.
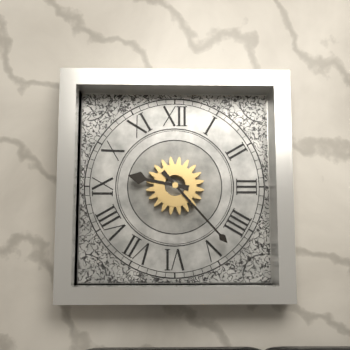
{"hour": 9, "minute": 23}
